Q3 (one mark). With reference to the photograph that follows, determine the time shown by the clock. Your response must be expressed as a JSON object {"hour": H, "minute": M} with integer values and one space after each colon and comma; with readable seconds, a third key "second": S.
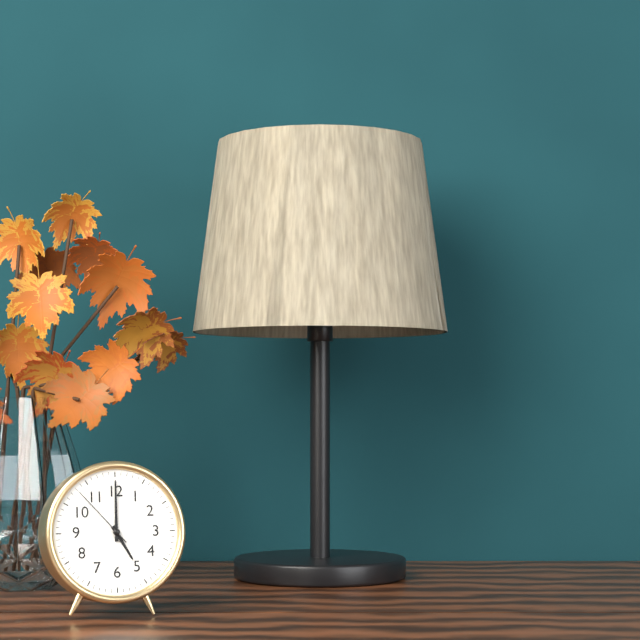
{"hour": 5, "minute": 0, "second": 53}
